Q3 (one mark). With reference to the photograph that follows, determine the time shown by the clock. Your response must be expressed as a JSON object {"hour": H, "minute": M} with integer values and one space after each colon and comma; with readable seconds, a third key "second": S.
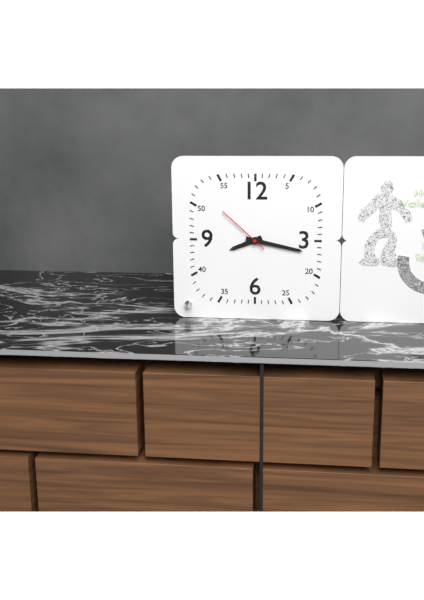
{"hour": 8, "minute": 17, "second": 52}
